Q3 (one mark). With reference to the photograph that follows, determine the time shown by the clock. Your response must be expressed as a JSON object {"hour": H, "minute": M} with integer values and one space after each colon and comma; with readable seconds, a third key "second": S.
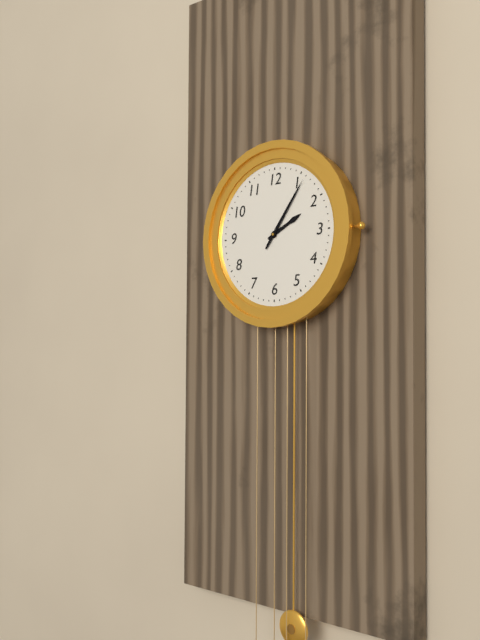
{"hour": 2, "minute": 6}
